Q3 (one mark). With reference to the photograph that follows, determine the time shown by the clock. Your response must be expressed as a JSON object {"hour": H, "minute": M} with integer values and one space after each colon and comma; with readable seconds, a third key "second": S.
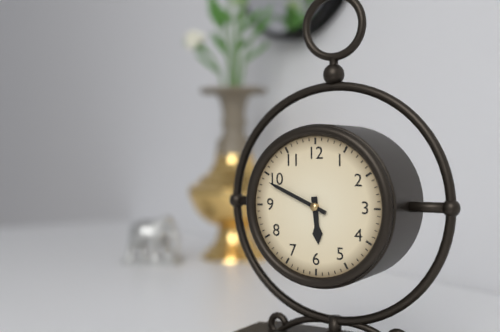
{"hour": 5, "minute": 49}
